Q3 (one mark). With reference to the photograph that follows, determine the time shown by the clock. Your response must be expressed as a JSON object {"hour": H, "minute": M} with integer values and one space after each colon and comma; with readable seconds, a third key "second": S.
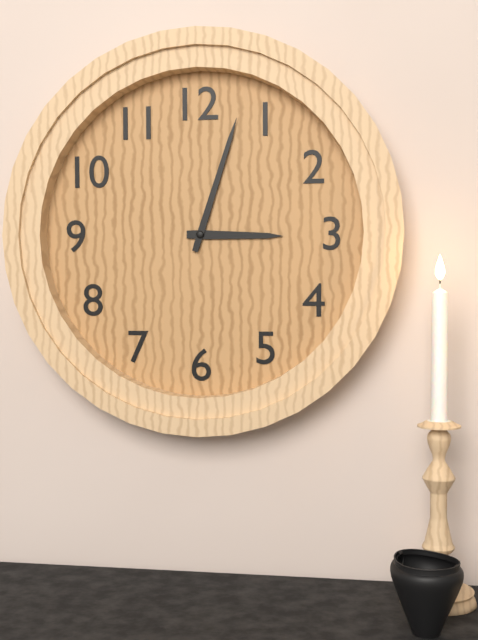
{"hour": 3, "minute": 3}
